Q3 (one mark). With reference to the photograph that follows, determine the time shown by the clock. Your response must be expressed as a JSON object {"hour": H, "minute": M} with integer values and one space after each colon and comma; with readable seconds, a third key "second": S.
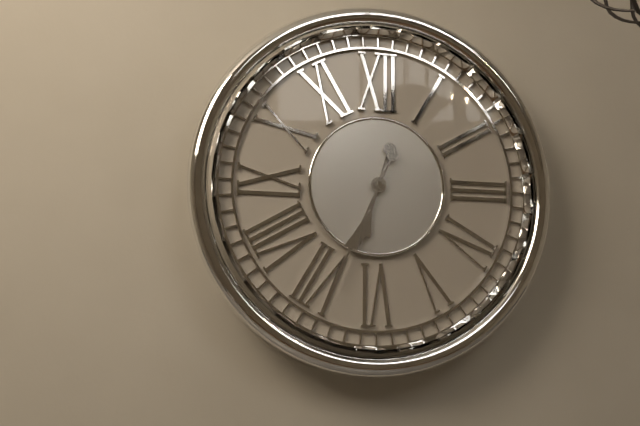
{"hour": 6, "minute": 34}
